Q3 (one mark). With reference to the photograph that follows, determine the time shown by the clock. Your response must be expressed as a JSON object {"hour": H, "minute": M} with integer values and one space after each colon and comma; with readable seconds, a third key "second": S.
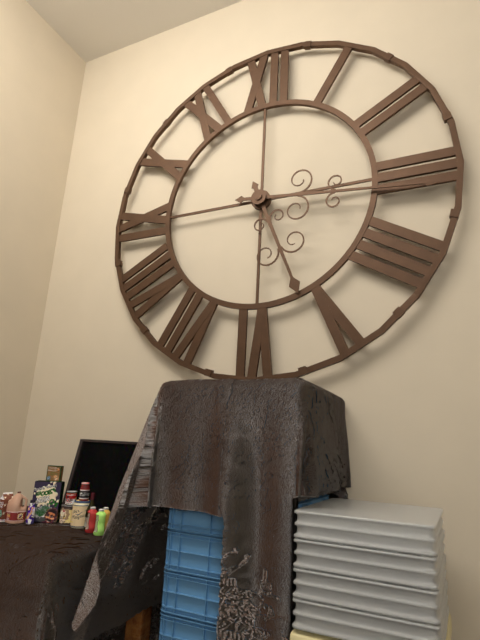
{"hour": 5, "minute": 16}
